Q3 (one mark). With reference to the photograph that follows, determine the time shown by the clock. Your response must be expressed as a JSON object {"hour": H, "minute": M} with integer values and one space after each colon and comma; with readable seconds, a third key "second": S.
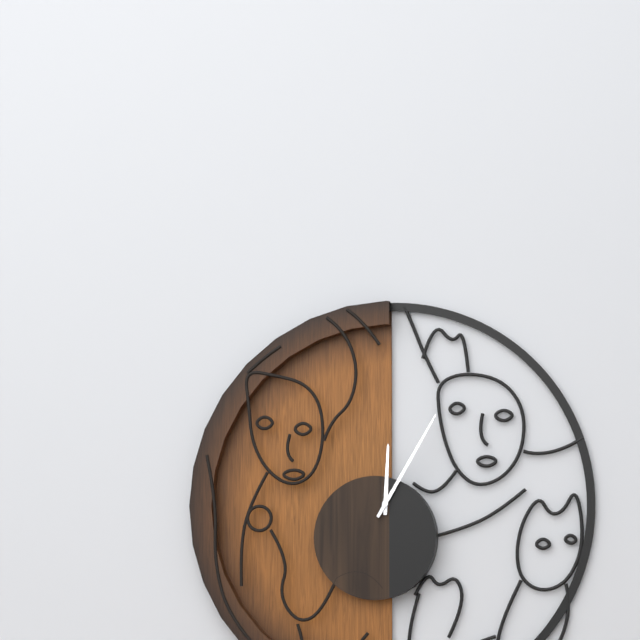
{"hour": 12, "minute": 5}
